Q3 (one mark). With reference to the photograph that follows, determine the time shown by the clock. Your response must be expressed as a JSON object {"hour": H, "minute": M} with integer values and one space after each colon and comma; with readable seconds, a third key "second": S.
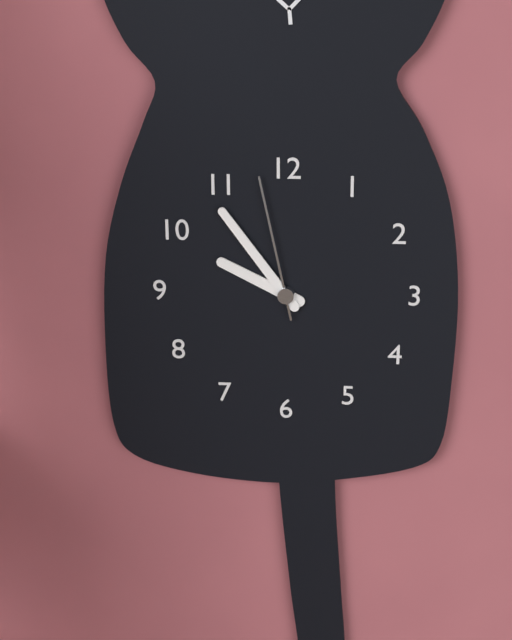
{"hour": 9, "minute": 54, "second": 58}
